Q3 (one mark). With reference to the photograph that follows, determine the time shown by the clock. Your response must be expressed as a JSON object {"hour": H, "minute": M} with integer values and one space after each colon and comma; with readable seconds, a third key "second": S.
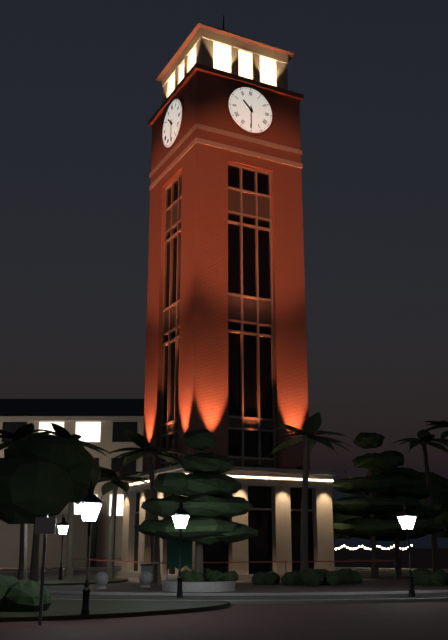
{"hour": 10, "minute": 30}
